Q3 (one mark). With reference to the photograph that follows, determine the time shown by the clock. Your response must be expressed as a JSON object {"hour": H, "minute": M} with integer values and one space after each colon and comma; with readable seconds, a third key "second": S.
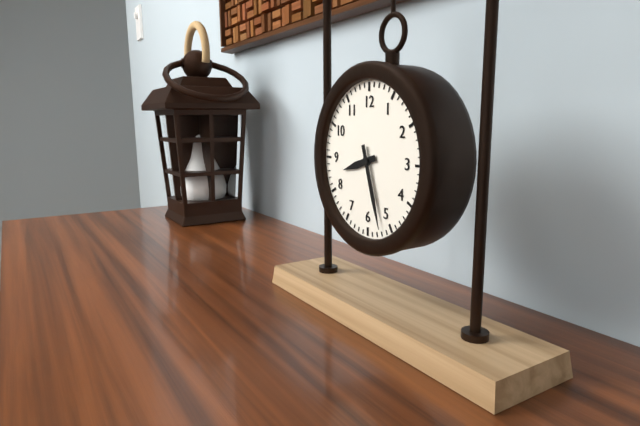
{"hour": 8, "minute": 27}
